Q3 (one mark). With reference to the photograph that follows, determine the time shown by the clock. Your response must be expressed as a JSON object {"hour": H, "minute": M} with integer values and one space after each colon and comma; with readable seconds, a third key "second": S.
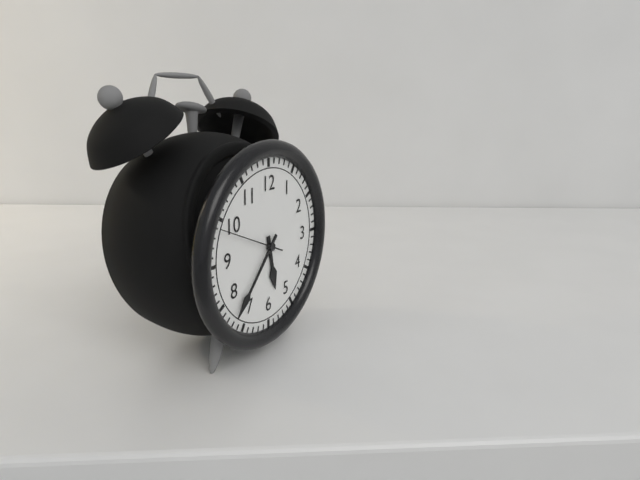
{"hour": 5, "minute": 37, "second": 49}
